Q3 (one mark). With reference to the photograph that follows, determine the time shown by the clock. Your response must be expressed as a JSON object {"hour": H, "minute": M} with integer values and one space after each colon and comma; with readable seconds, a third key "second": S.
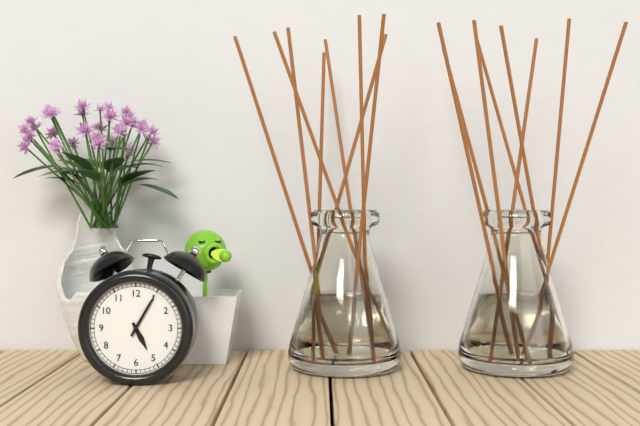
{"hour": 5, "minute": 5}
